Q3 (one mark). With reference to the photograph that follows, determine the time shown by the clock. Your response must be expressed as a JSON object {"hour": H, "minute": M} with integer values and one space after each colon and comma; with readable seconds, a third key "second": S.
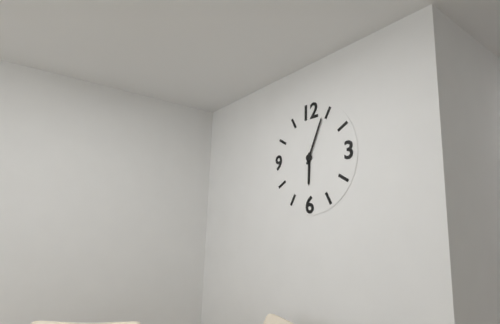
{"hour": 6, "minute": 4}
